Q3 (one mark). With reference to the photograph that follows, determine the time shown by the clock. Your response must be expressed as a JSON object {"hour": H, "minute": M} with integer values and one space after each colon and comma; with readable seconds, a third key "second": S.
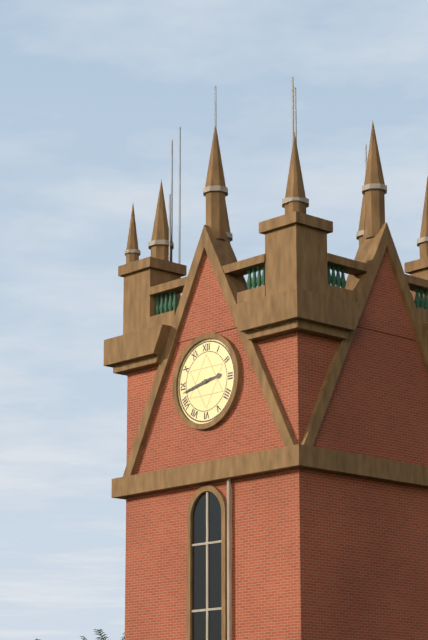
{"hour": 2, "minute": 43}
